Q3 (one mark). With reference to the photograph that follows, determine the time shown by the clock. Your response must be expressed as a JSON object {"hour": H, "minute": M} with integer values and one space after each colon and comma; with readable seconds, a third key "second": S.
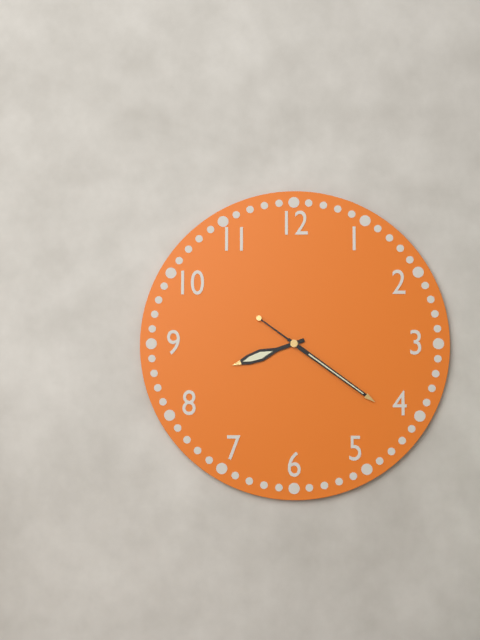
{"hour": 8, "minute": 21}
